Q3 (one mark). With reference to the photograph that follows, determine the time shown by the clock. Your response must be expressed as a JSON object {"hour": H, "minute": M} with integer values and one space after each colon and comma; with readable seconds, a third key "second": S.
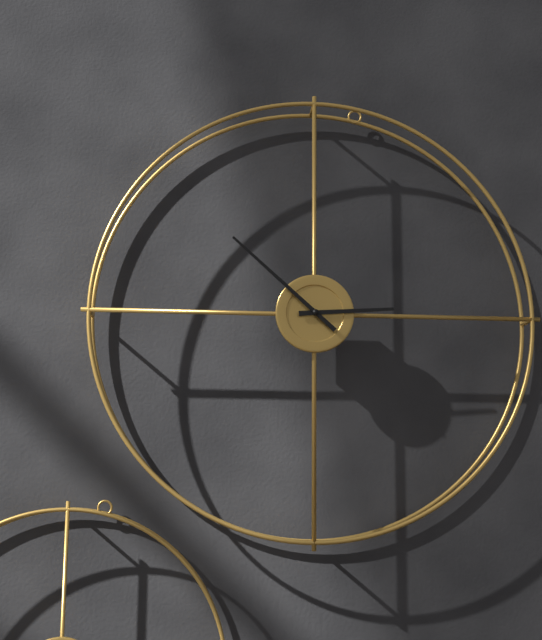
{"hour": 2, "minute": 52}
